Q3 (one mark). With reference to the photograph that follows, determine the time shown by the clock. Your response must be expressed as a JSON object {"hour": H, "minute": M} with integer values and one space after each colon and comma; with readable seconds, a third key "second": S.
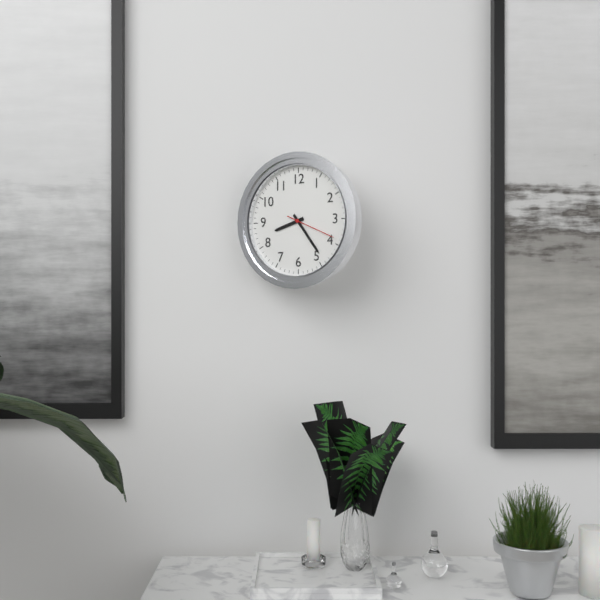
{"hour": 8, "minute": 24}
